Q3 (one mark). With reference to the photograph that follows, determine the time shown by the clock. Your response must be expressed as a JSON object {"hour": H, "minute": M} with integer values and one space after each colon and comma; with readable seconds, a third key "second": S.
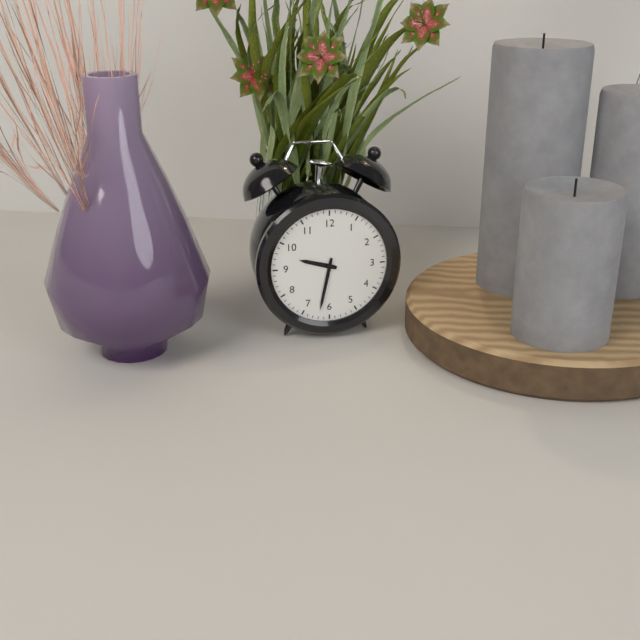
{"hour": 9, "minute": 32}
